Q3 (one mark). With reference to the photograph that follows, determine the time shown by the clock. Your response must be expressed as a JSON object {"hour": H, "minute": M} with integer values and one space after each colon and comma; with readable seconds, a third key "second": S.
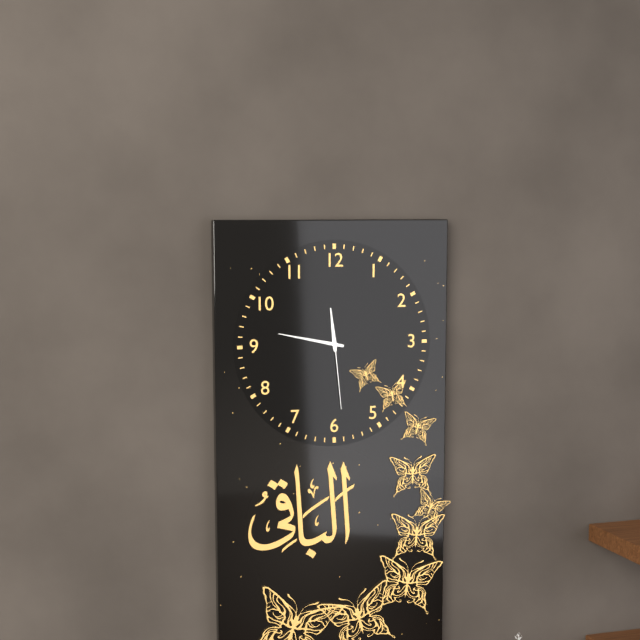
{"hour": 11, "minute": 47, "second": 29}
